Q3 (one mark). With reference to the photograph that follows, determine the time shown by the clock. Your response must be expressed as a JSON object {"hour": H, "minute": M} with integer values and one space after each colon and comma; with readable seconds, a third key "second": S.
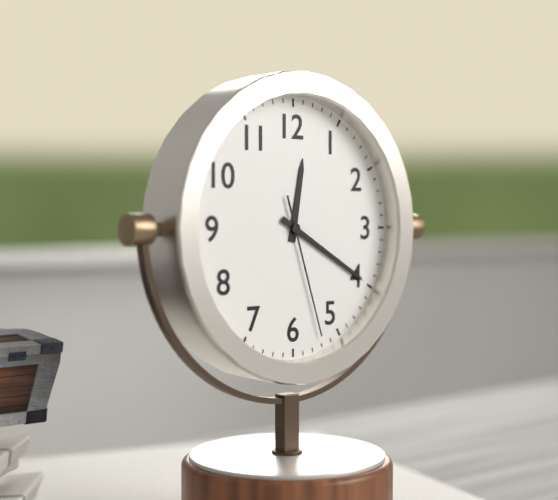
{"hour": 12, "minute": 20, "second": 27}
